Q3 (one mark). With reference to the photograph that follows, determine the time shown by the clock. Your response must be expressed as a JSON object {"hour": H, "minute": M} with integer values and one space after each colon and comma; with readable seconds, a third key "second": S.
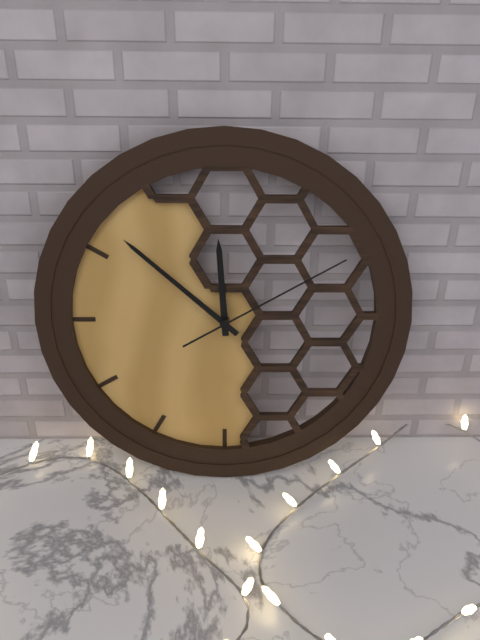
{"hour": 11, "minute": 52, "second": 10}
